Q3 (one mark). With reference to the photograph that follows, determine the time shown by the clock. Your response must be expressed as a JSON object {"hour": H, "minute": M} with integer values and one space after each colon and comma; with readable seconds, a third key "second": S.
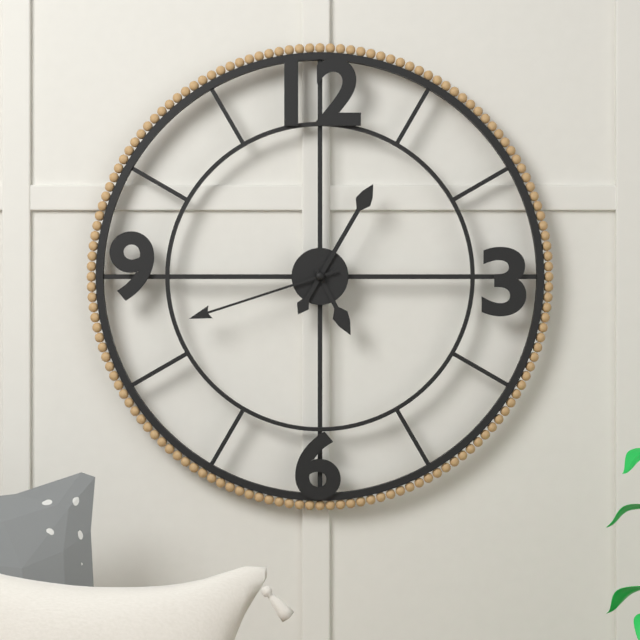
{"hour": 5, "minute": 5, "second": 42}
